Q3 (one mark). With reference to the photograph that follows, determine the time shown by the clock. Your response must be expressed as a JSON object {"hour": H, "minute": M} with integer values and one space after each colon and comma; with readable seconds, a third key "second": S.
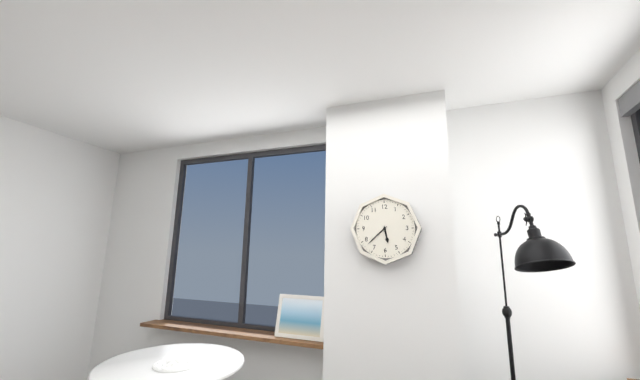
{"hour": 5, "minute": 38}
